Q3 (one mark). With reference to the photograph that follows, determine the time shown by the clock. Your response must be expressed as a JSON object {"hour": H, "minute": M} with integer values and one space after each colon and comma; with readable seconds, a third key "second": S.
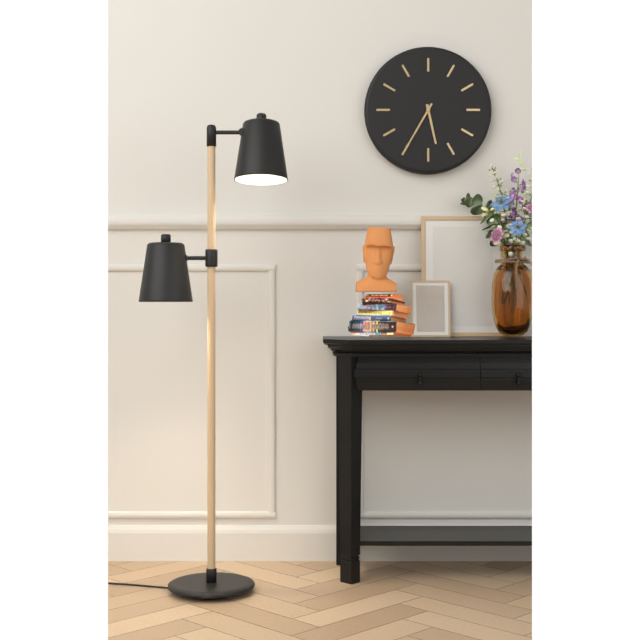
{"hour": 5, "minute": 35}
